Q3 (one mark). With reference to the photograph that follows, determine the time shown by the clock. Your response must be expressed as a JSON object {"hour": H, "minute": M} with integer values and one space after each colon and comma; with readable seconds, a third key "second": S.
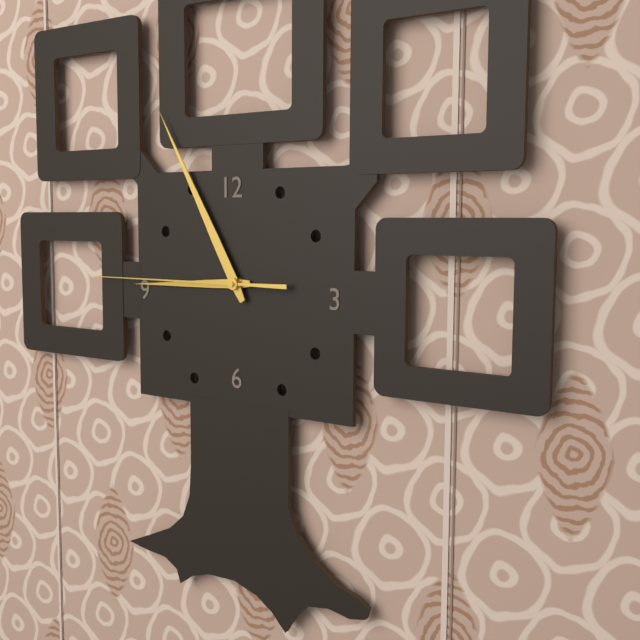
{"hour": 8, "minute": 55, "second": 45}
